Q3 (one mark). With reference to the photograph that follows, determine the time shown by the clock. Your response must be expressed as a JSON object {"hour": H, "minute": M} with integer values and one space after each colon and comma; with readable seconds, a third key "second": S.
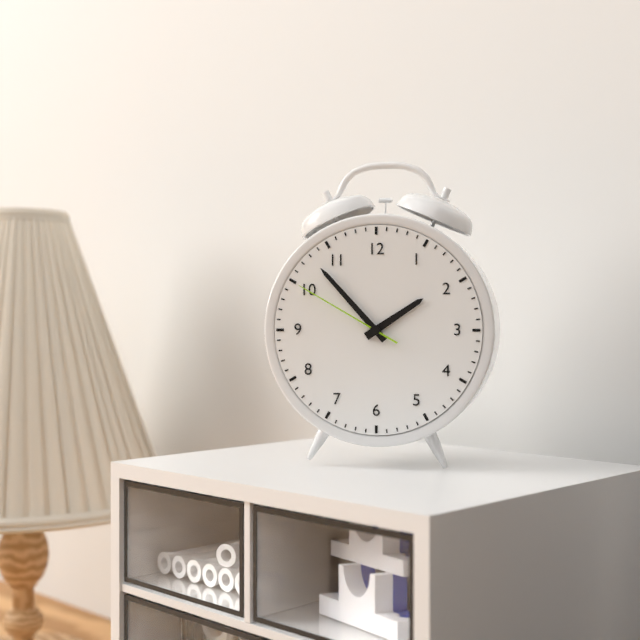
{"hour": 1, "minute": 53, "second": 50}
